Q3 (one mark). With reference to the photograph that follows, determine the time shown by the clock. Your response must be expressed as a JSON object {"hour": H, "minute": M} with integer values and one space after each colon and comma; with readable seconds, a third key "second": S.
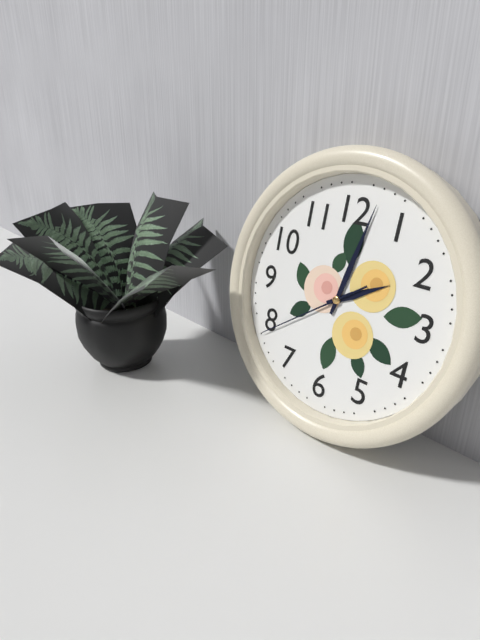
{"hour": 2, "minute": 2, "second": 39}
